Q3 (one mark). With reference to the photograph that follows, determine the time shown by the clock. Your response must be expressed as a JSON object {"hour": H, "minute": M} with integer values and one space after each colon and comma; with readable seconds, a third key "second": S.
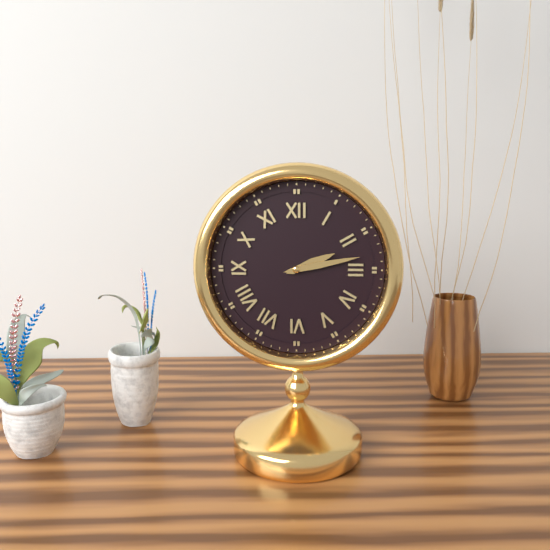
{"hour": 2, "minute": 13}
